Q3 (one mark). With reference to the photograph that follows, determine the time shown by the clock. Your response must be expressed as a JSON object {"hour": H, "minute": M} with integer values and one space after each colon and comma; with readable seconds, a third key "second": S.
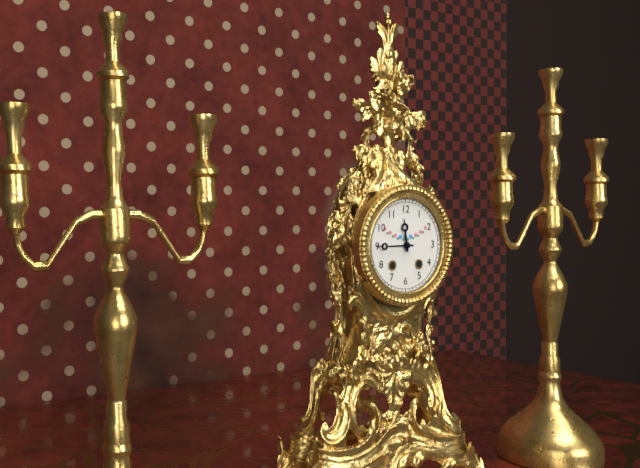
{"hour": 11, "minute": 45}
